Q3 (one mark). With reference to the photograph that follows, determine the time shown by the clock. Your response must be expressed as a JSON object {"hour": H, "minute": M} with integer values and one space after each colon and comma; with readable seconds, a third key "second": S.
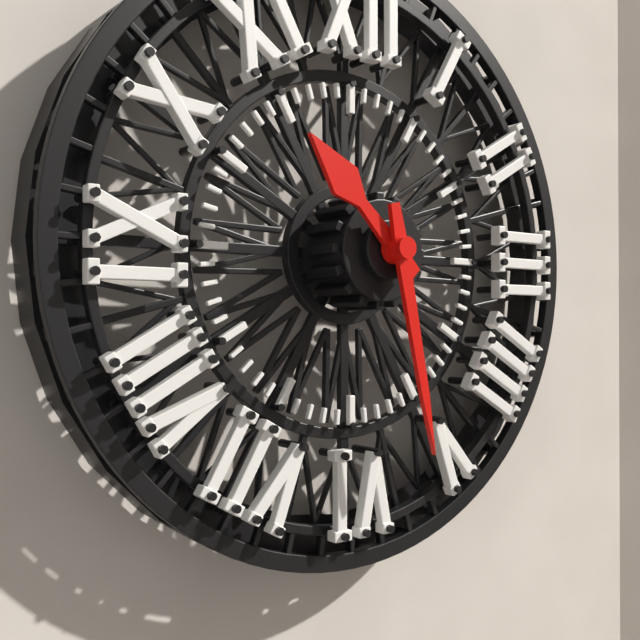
{"hour": 10, "minute": 28}
